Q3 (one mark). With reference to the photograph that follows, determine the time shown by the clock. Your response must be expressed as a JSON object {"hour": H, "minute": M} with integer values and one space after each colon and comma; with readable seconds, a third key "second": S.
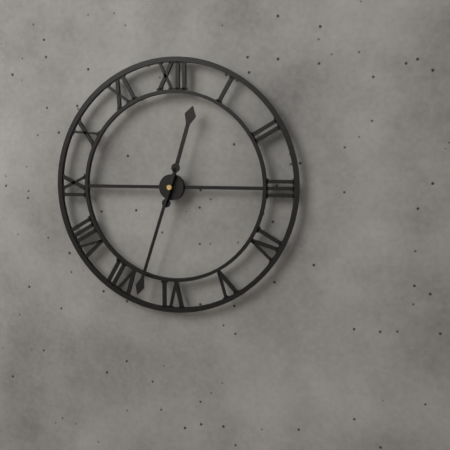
{"hour": 12, "minute": 33}
